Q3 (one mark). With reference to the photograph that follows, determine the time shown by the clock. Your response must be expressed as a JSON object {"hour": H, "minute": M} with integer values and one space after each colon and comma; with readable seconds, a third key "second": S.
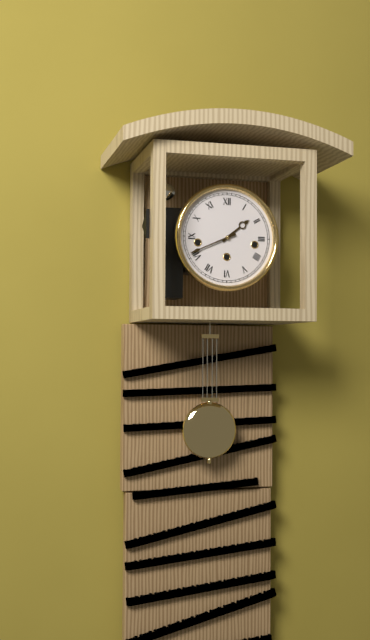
{"hour": 1, "minute": 41}
